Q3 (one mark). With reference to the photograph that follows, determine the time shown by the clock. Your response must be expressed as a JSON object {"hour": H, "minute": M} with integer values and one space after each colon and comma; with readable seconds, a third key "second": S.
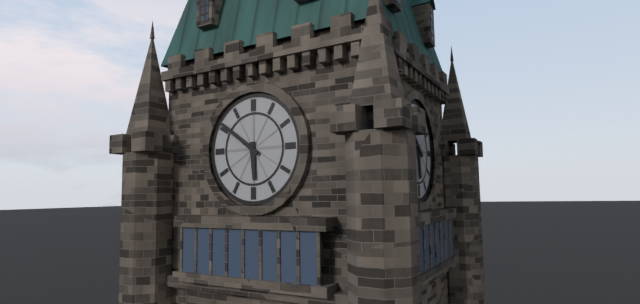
{"hour": 5, "minute": 51}
